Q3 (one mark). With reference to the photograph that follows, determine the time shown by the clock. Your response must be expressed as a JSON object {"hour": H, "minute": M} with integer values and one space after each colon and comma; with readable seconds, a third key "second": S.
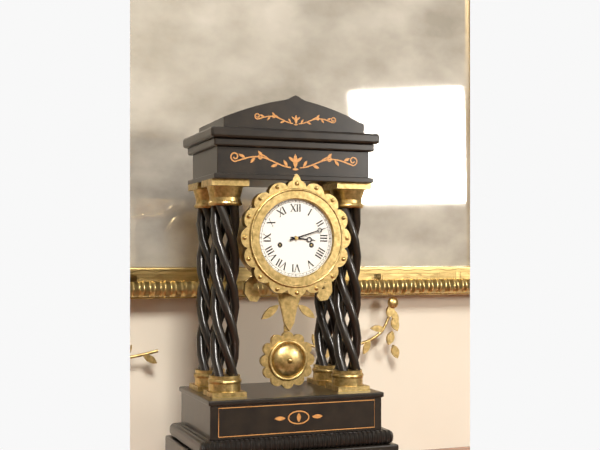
{"hour": 3, "minute": 12}
